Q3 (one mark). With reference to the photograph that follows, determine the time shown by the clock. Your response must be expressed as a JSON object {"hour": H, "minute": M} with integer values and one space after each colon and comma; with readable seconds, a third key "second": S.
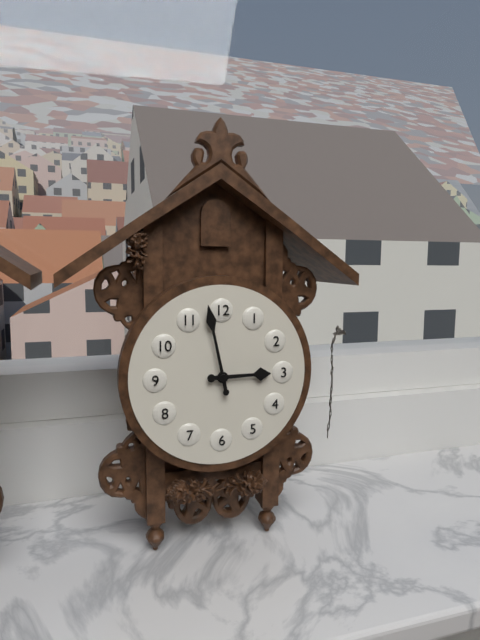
{"hour": 2, "minute": 58}
